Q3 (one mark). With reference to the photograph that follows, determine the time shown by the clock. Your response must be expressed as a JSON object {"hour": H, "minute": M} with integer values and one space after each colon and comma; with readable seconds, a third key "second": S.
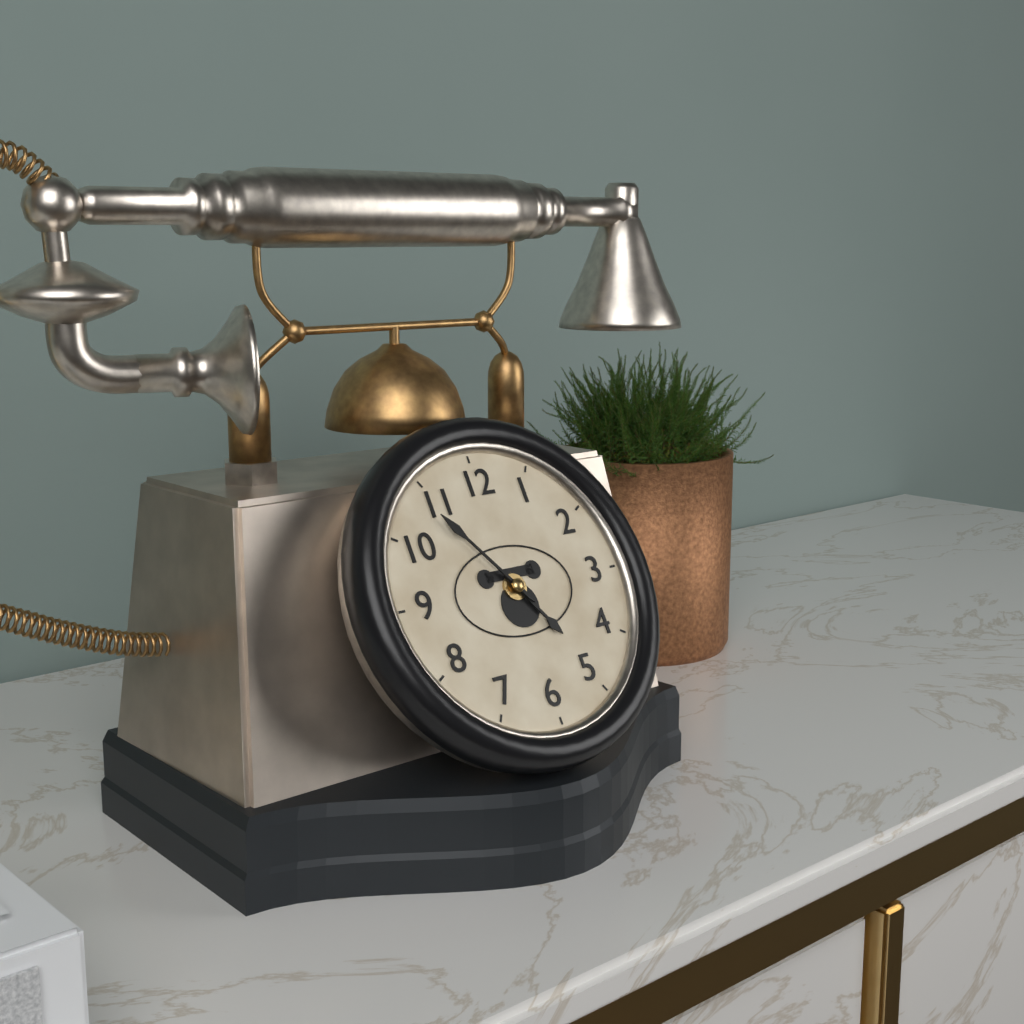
{"hour": 4, "minute": 54}
